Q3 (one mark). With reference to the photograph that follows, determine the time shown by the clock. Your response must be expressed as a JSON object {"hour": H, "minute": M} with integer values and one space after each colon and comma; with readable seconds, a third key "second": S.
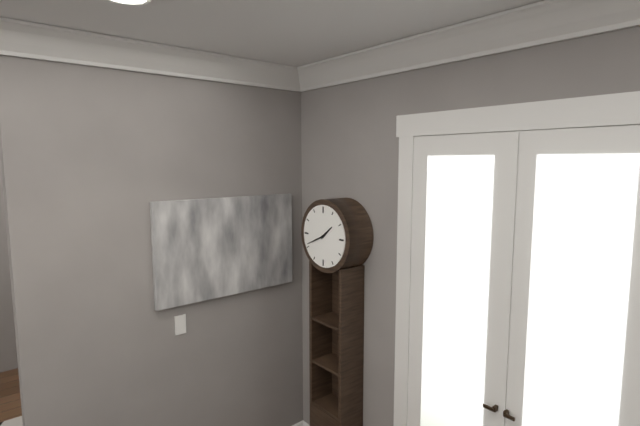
{"hour": 1, "minute": 41}
